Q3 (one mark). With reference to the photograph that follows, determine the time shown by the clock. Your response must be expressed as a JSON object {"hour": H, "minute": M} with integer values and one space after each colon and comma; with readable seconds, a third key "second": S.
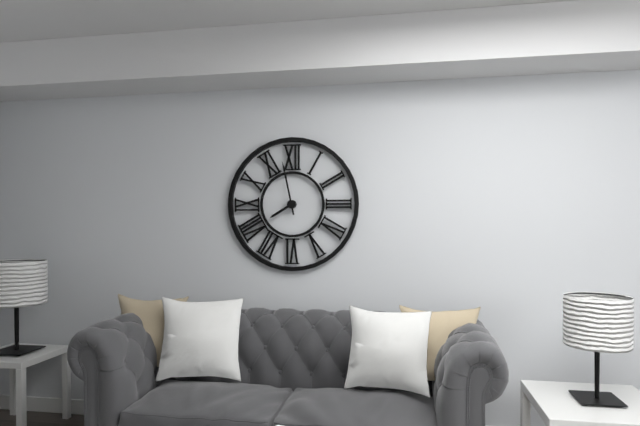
{"hour": 7, "minute": 58}
